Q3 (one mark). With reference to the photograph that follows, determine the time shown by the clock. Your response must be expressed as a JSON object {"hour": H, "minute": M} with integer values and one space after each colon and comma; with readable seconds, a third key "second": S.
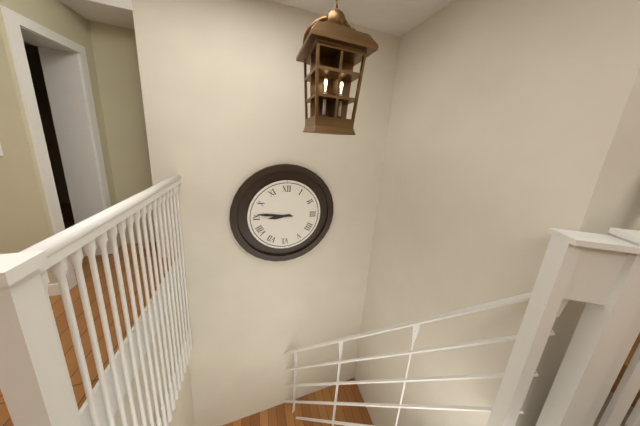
{"hour": 8, "minute": 46}
